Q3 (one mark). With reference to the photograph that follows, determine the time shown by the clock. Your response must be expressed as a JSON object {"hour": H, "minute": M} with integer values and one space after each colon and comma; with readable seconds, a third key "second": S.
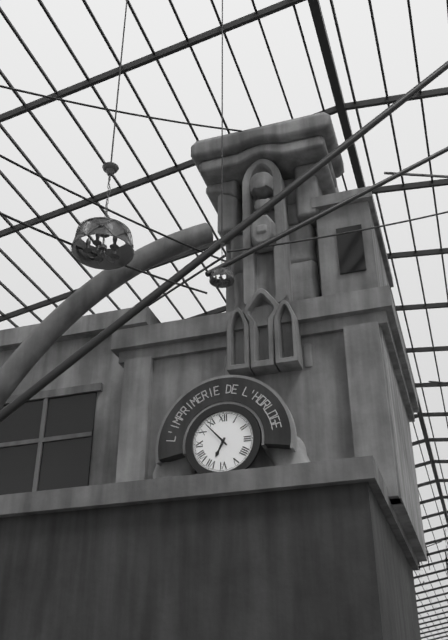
{"hour": 6, "minute": 53}
